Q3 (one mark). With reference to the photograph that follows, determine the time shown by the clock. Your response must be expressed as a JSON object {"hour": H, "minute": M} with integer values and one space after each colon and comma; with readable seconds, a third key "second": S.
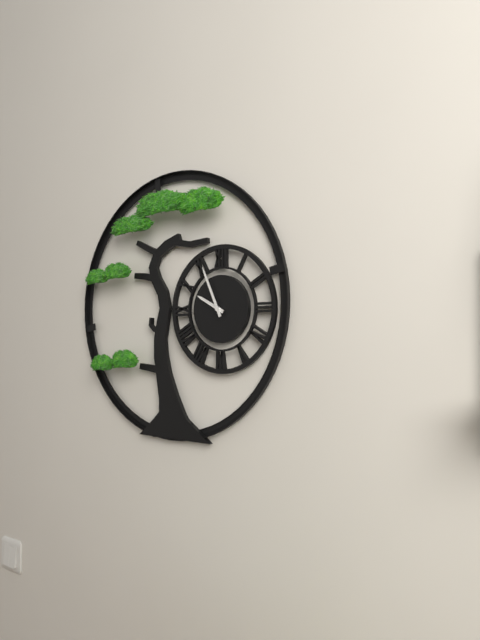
{"hour": 9, "minute": 56}
